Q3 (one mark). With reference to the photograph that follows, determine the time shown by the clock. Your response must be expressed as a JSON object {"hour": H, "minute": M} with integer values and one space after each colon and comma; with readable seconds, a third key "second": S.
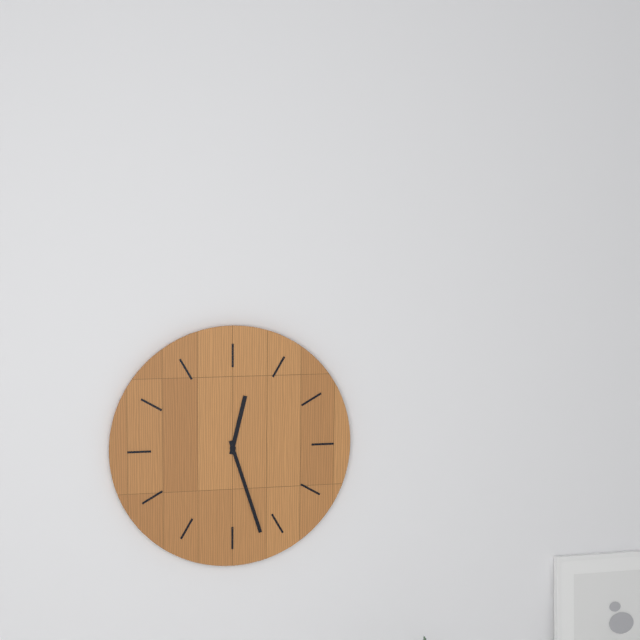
{"hour": 12, "minute": 27}
